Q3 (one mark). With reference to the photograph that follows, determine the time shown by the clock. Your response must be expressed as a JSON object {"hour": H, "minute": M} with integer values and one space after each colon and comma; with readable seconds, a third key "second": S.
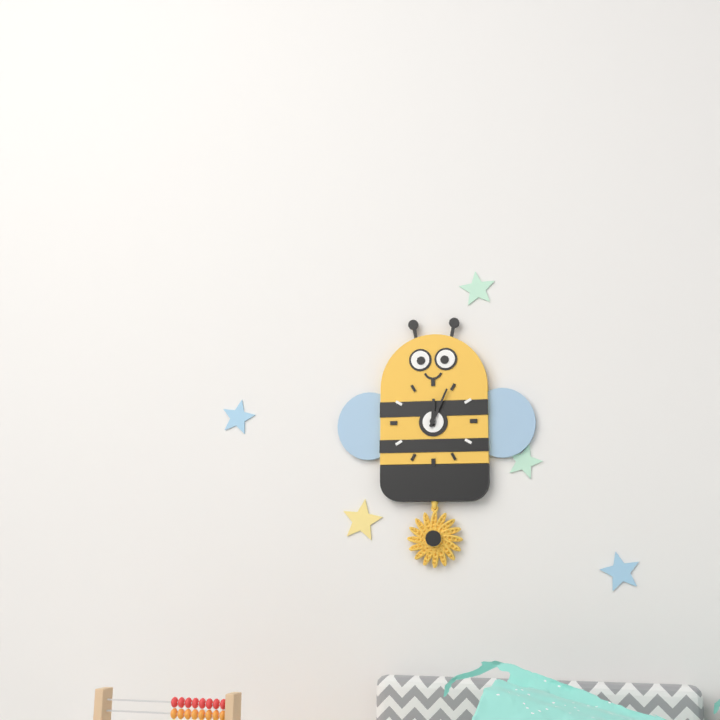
{"hour": 12, "minute": 4}
